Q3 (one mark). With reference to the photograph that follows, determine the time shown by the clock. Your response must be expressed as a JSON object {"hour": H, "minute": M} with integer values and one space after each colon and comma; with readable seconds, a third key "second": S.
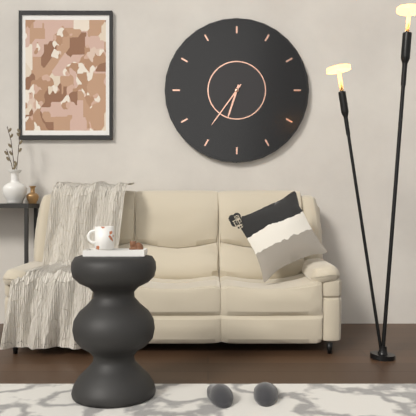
{"hour": 6, "minute": 36}
